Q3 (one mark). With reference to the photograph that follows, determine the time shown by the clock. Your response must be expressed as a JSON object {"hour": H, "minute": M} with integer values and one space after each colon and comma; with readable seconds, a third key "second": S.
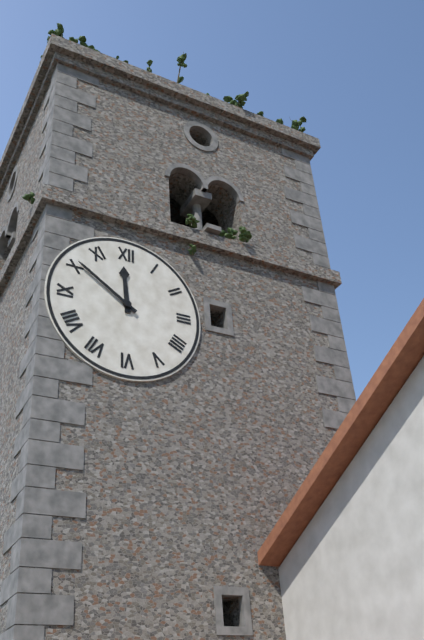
{"hour": 11, "minute": 51}
